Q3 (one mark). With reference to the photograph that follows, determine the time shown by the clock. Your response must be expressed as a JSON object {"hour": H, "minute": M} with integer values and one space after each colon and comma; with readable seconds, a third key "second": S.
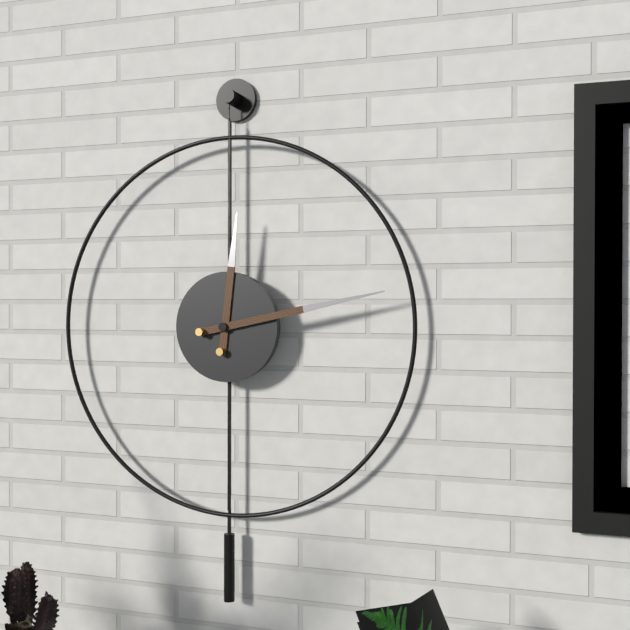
{"hour": 12, "minute": 13}
